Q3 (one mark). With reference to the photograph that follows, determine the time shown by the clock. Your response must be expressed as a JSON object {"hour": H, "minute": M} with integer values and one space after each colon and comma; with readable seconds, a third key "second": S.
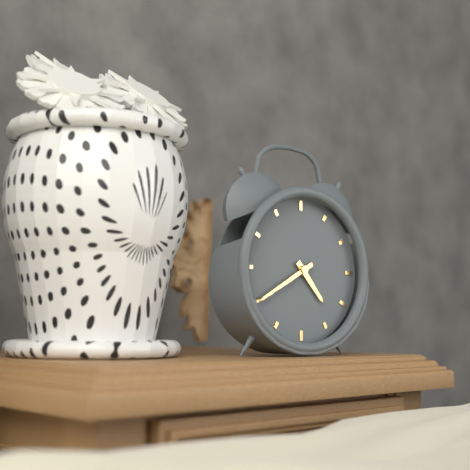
{"hour": 4, "minute": 40}
